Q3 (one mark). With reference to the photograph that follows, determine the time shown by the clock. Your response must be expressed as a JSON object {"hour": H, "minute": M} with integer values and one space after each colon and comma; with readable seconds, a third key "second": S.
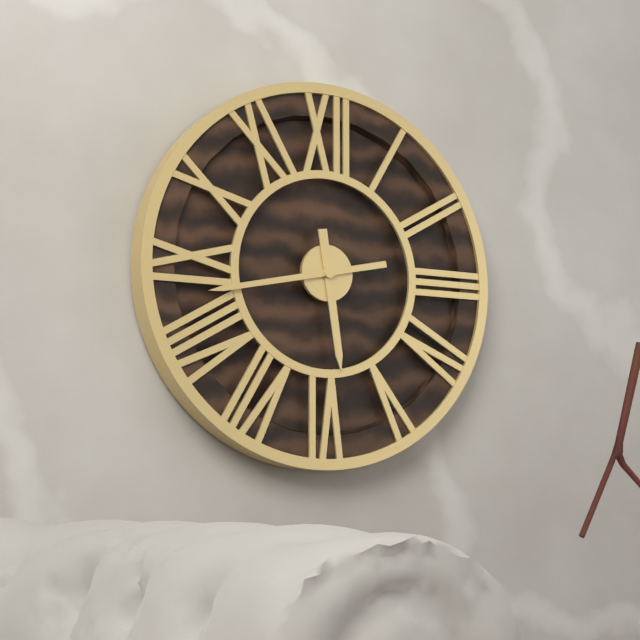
{"hour": 5, "minute": 43}
